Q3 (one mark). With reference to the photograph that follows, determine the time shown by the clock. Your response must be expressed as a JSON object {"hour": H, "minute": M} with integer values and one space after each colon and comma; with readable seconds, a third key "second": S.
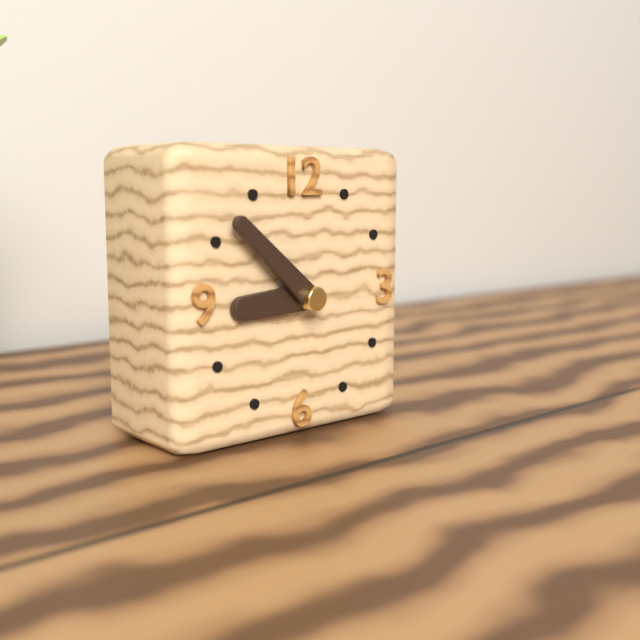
{"hour": 8, "minute": 52}
